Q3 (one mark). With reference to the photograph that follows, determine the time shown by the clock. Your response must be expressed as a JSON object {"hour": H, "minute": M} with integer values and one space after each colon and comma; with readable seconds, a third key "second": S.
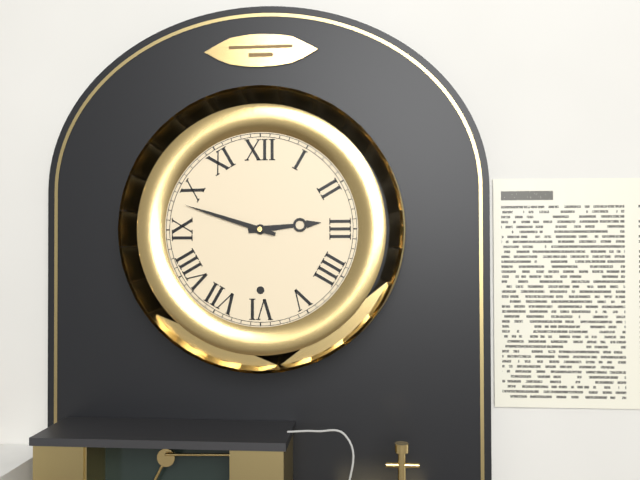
{"hour": 2, "minute": 48}
